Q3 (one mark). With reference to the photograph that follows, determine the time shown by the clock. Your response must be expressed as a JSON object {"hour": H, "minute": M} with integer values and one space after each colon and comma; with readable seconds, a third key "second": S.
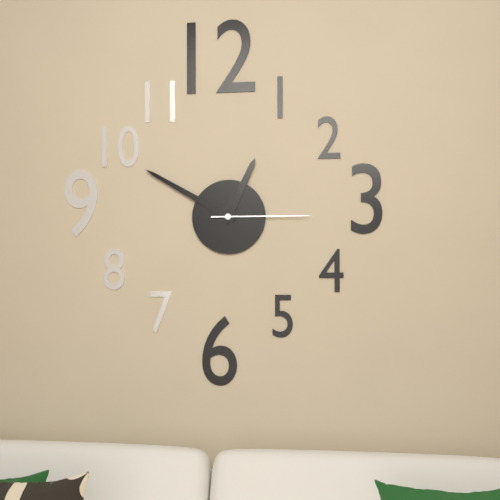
{"hour": 12, "minute": 50, "second": 15}
